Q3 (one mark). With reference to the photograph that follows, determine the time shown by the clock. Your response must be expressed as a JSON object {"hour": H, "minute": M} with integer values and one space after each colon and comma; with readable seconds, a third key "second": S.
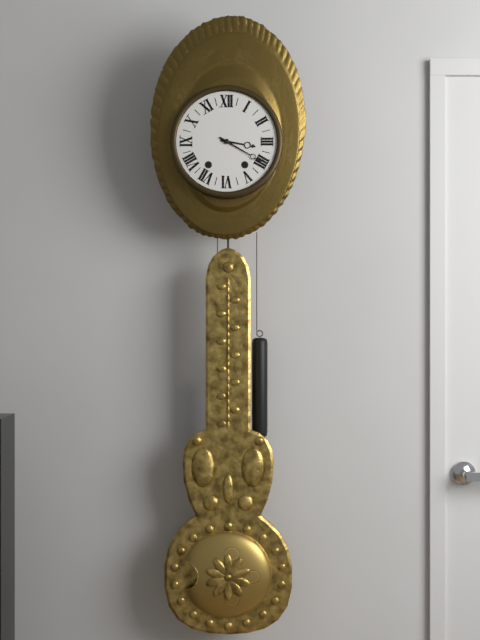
{"hour": 3, "minute": 20}
